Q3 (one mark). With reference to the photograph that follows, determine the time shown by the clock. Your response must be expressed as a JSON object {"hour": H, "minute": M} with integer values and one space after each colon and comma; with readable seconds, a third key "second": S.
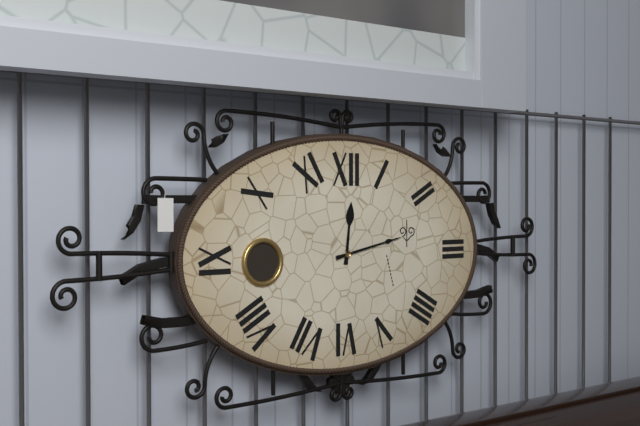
{"hour": 12, "minute": 13}
